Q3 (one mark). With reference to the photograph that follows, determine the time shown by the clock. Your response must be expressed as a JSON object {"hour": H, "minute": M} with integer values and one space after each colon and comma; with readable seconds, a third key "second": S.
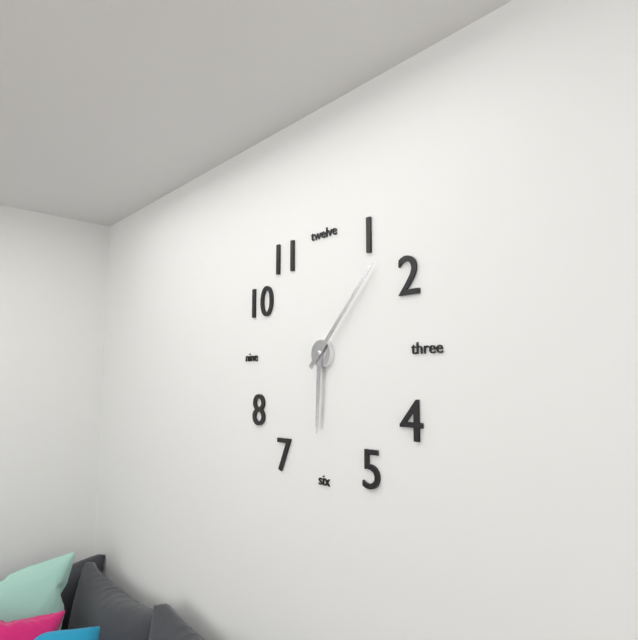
{"hour": 6, "minute": 7}
